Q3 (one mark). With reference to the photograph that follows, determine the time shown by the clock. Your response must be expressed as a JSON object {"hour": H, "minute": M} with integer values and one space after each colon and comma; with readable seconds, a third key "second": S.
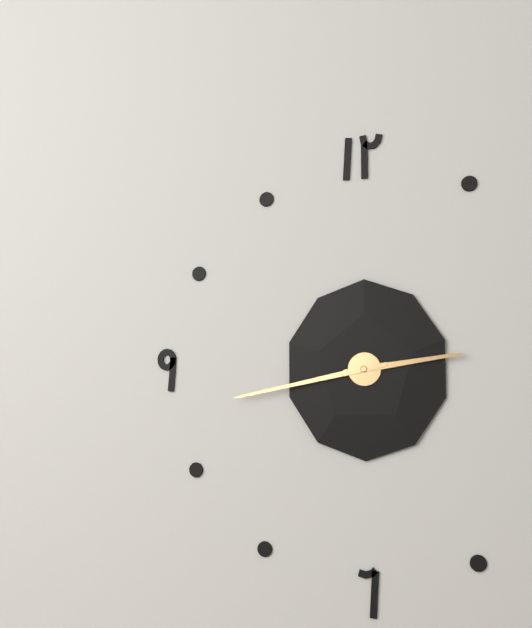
{"hour": 2, "minute": 43}
